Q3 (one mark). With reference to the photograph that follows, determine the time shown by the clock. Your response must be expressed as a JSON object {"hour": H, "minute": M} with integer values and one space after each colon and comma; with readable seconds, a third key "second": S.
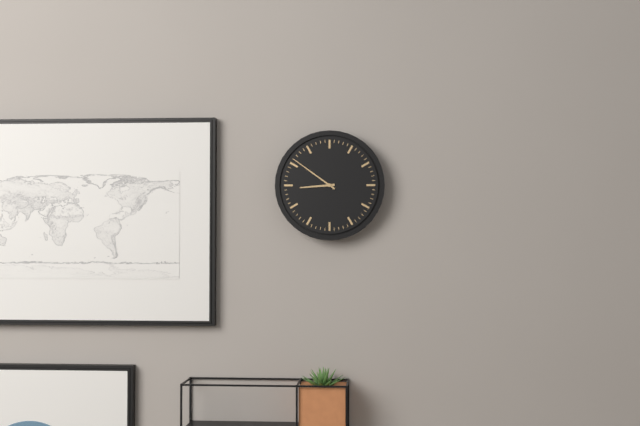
{"hour": 8, "minute": 51}
